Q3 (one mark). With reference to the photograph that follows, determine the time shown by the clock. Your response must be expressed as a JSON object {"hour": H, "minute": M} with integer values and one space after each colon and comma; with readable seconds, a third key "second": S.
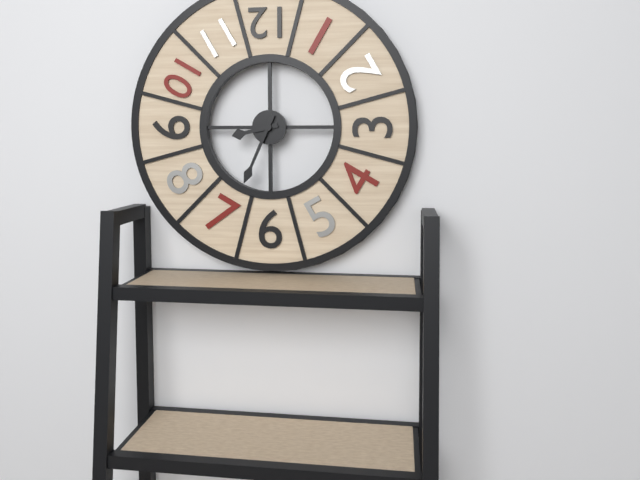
{"hour": 8, "minute": 34}
